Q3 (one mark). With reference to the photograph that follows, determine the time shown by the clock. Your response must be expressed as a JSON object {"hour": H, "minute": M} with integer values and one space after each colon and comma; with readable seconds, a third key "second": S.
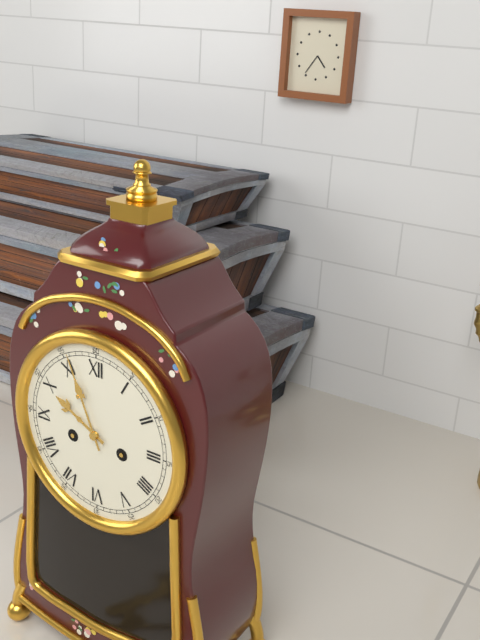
{"hour": 9, "minute": 56}
